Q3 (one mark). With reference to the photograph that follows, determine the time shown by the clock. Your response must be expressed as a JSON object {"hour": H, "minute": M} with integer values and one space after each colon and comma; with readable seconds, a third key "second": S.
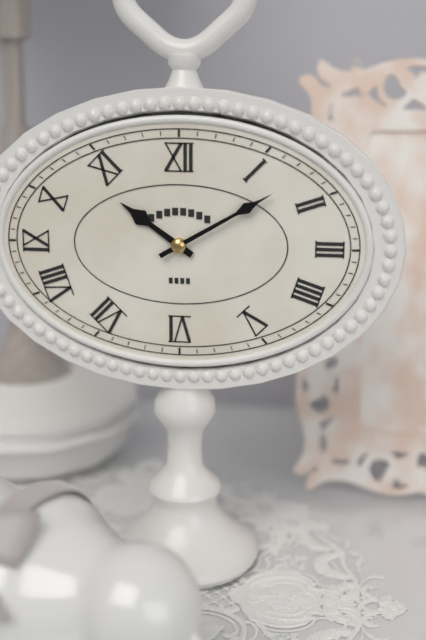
{"hour": 10, "minute": 10}
